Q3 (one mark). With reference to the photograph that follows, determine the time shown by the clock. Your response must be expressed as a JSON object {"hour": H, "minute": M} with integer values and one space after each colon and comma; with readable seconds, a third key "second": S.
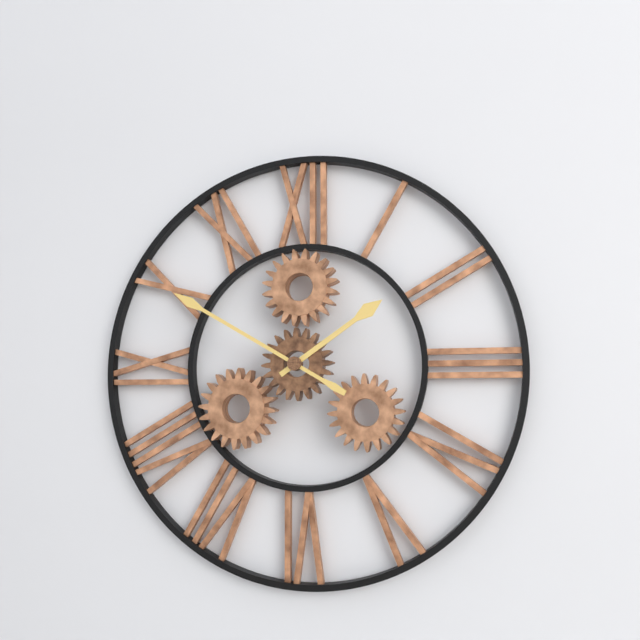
{"hour": 1, "minute": 50}
